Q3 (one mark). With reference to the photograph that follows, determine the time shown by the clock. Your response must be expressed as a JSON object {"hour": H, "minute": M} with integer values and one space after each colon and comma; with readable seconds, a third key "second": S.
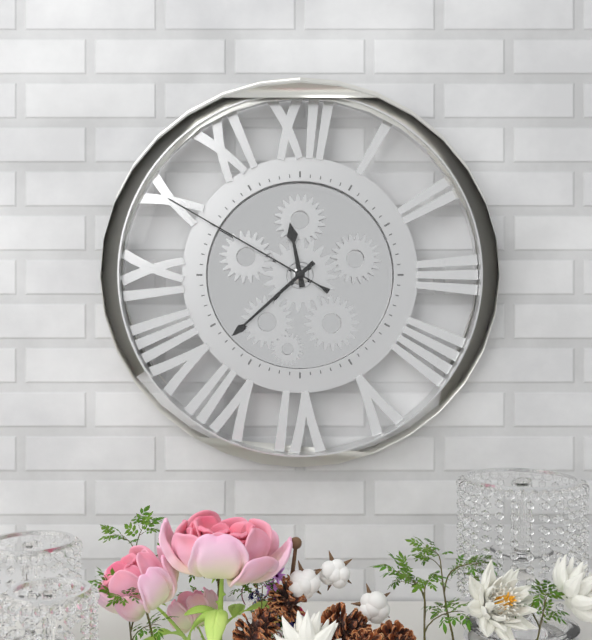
{"hour": 11, "minute": 38, "second": 50}
